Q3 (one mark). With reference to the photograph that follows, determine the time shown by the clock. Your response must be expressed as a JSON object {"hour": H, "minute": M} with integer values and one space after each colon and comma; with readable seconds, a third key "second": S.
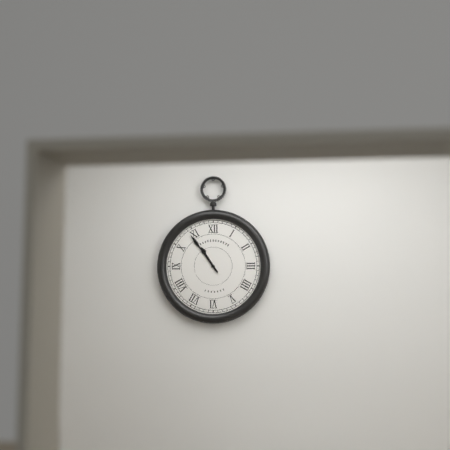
{"hour": 10, "minute": 54}
